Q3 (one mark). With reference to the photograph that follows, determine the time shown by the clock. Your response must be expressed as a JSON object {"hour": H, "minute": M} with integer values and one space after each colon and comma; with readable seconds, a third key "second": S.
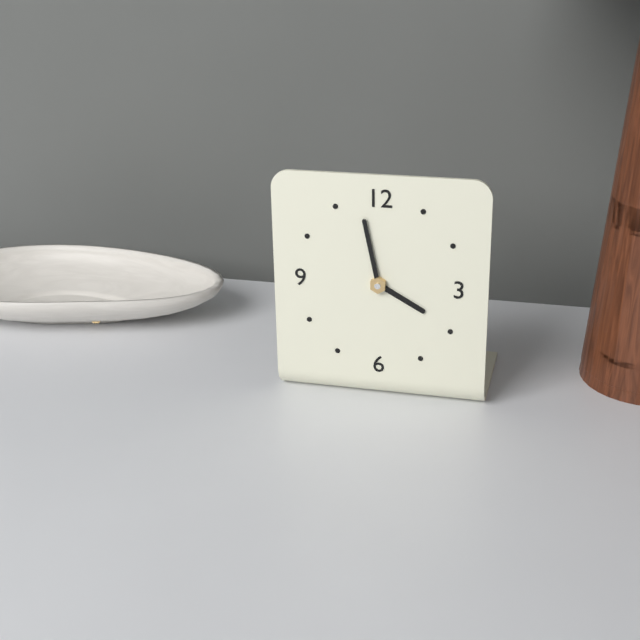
{"hour": 3, "minute": 58}
